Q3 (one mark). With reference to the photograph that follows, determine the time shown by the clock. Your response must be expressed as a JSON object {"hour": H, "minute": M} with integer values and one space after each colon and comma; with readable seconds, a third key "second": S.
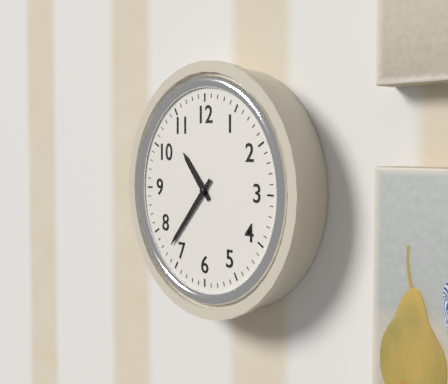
{"hour": 10, "minute": 37}
